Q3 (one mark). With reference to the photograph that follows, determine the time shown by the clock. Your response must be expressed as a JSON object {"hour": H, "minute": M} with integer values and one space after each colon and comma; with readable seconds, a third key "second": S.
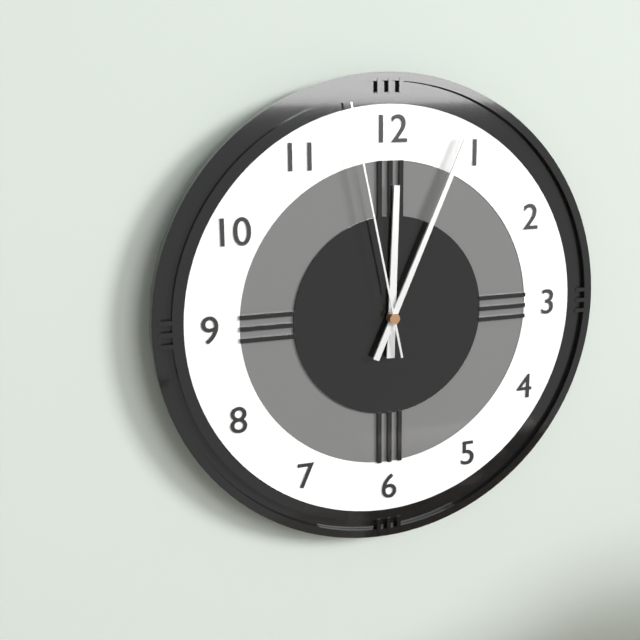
{"hour": 12, "minute": 4, "second": 58}
